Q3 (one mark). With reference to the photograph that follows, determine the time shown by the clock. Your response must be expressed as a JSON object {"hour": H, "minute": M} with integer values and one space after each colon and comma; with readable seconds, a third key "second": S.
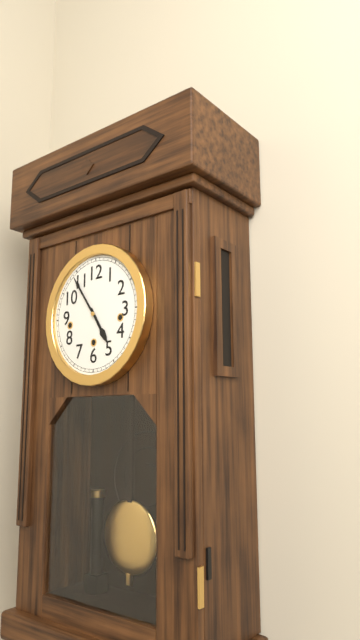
{"hour": 4, "minute": 54}
